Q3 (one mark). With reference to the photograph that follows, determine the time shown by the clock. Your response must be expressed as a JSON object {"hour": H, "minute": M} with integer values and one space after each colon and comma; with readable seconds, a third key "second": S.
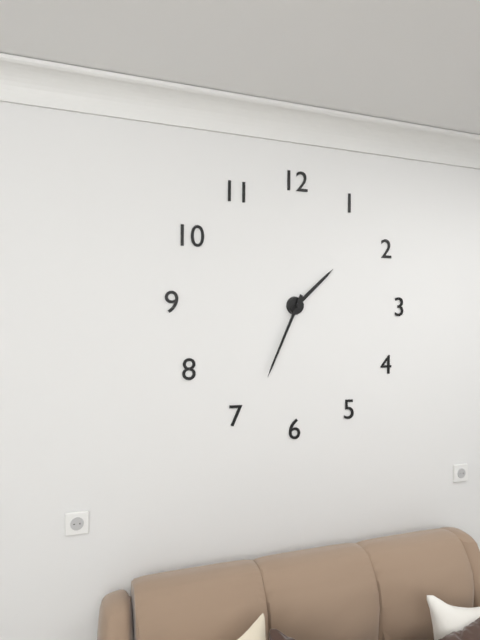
{"hour": 1, "minute": 34}
